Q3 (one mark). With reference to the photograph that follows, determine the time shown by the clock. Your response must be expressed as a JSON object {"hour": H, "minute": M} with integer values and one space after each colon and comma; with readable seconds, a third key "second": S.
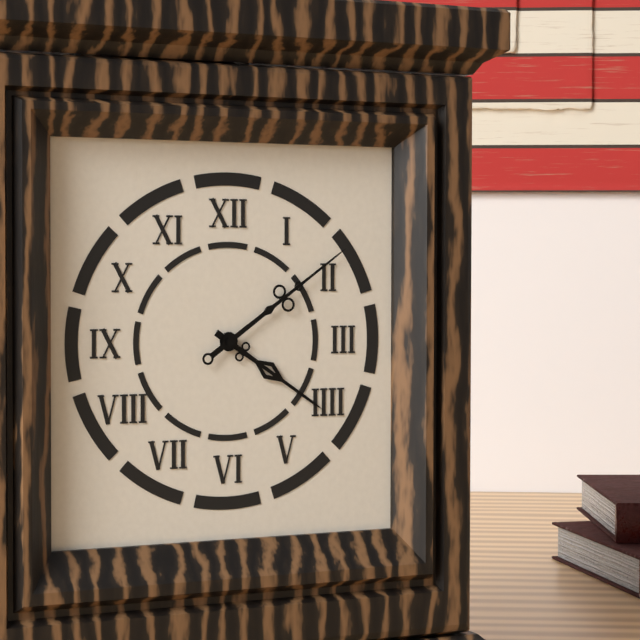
{"hour": 4, "minute": 9}
